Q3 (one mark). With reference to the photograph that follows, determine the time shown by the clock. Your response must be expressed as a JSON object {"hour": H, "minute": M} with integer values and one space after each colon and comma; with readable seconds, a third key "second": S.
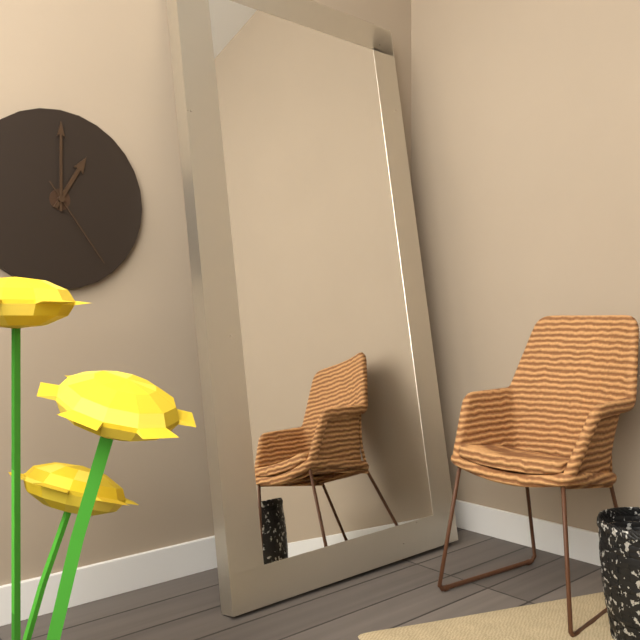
{"hour": 1, "minute": 0, "second": 24}
